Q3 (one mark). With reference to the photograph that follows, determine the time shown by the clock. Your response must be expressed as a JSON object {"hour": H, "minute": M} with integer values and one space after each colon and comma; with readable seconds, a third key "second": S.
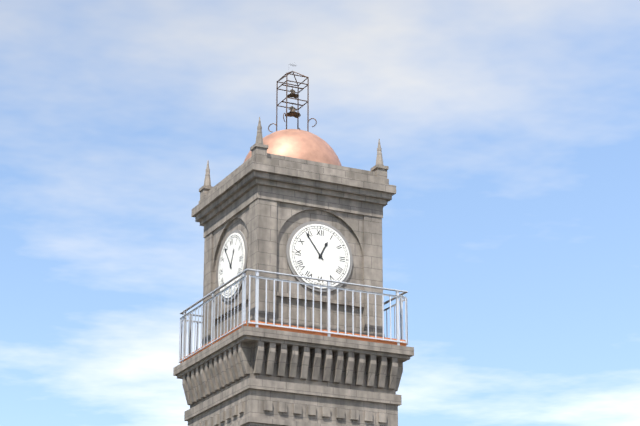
{"hour": 12, "minute": 54}
